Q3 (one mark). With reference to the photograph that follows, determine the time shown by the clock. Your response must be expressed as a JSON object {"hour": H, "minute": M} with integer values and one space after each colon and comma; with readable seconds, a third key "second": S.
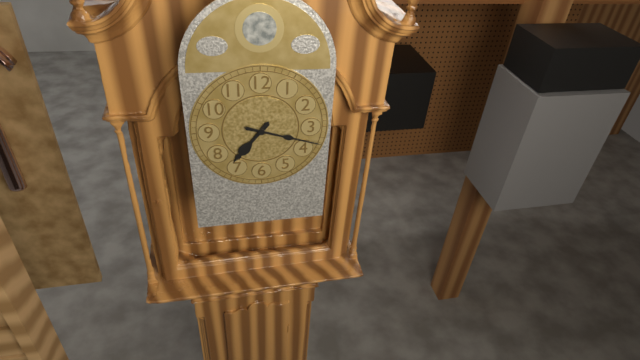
{"hour": 7, "minute": 18}
